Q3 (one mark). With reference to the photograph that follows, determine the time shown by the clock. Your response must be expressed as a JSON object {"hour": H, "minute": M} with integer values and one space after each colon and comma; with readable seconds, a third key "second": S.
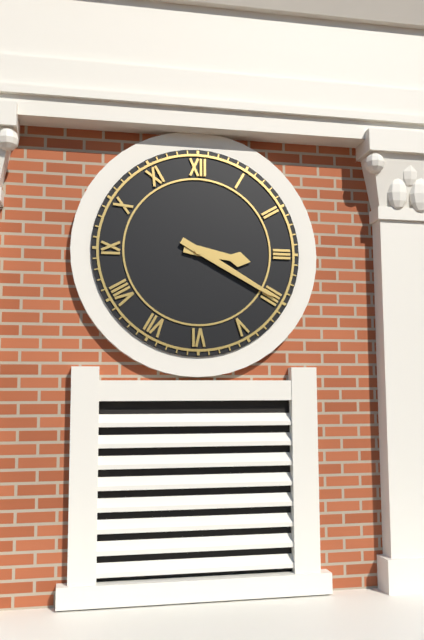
{"hour": 3, "minute": 20}
